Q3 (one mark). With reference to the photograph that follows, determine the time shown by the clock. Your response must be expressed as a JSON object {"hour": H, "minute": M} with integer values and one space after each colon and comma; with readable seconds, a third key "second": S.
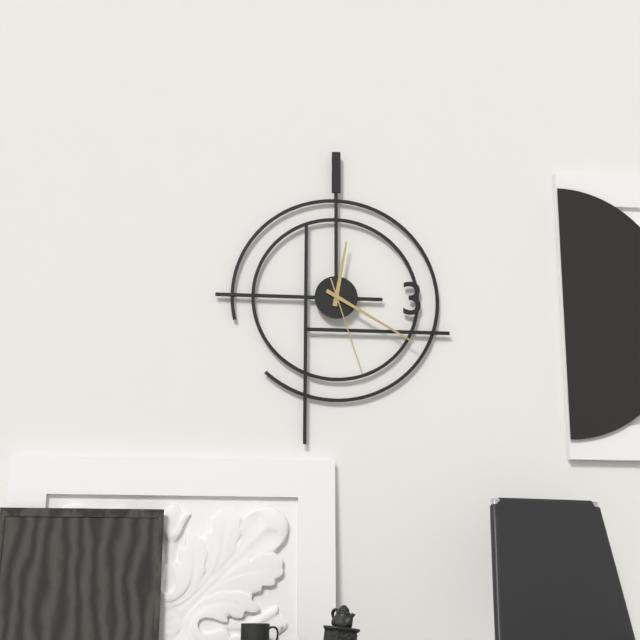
{"hour": 12, "minute": 20, "second": 27}
